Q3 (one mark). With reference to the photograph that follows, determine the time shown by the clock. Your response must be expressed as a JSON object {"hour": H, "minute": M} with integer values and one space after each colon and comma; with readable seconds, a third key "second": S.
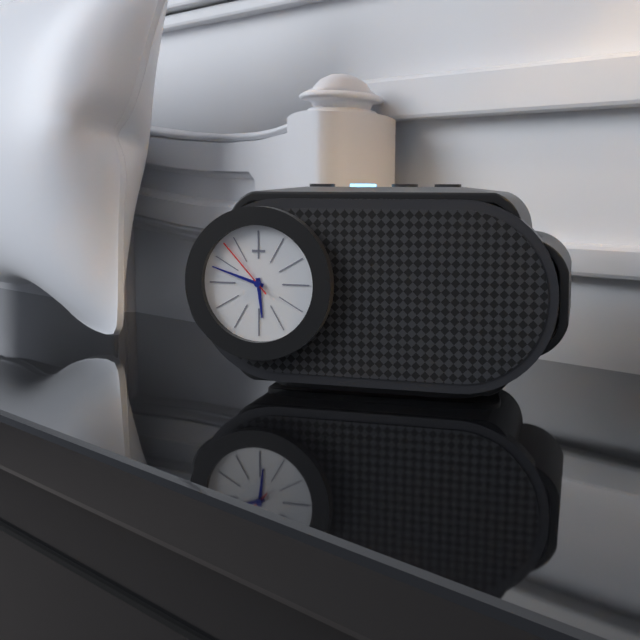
{"hour": 5, "minute": 48, "second": 53}
